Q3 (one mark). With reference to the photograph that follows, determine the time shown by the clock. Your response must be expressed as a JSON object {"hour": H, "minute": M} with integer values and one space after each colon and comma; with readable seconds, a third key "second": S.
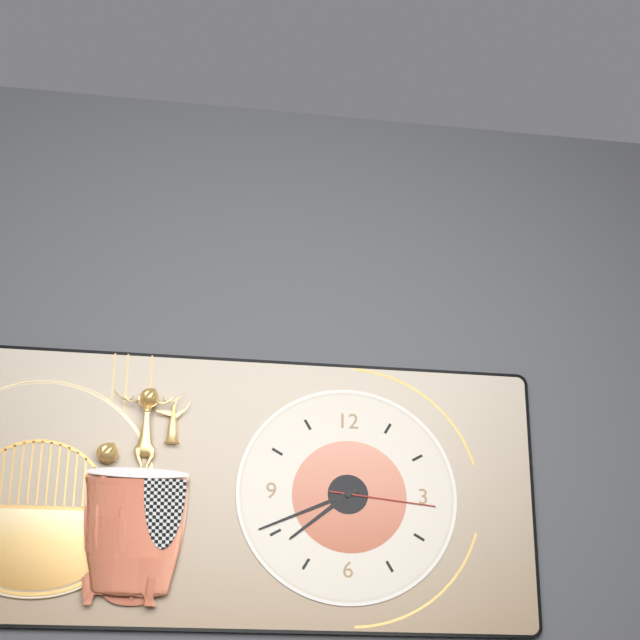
{"hour": 7, "minute": 41, "second": 16}
